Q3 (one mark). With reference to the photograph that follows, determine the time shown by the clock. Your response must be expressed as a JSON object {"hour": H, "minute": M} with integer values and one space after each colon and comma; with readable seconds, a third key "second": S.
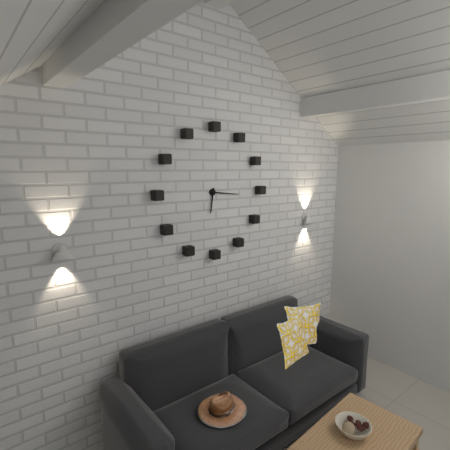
{"hour": 6, "minute": 16}
